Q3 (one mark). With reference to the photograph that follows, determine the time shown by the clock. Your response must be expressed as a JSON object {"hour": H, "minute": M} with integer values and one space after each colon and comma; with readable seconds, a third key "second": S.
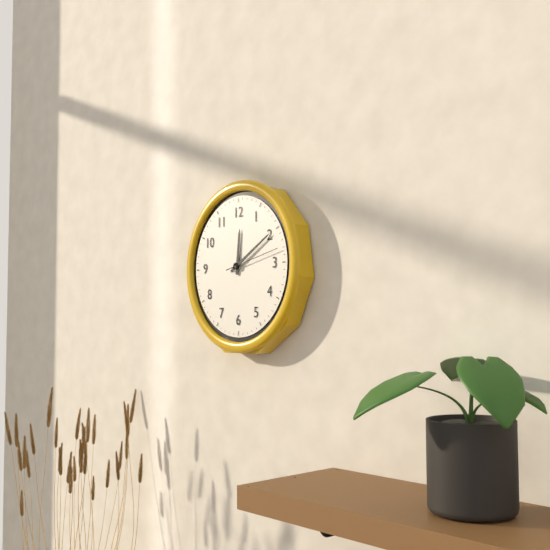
{"hour": 12, "minute": 10, "second": 13}
